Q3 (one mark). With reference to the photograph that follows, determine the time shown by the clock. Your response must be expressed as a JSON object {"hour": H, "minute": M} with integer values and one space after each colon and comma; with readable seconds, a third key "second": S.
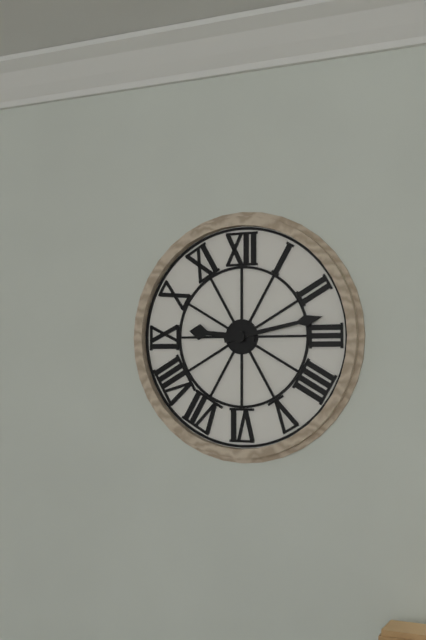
{"hour": 9, "minute": 13}
